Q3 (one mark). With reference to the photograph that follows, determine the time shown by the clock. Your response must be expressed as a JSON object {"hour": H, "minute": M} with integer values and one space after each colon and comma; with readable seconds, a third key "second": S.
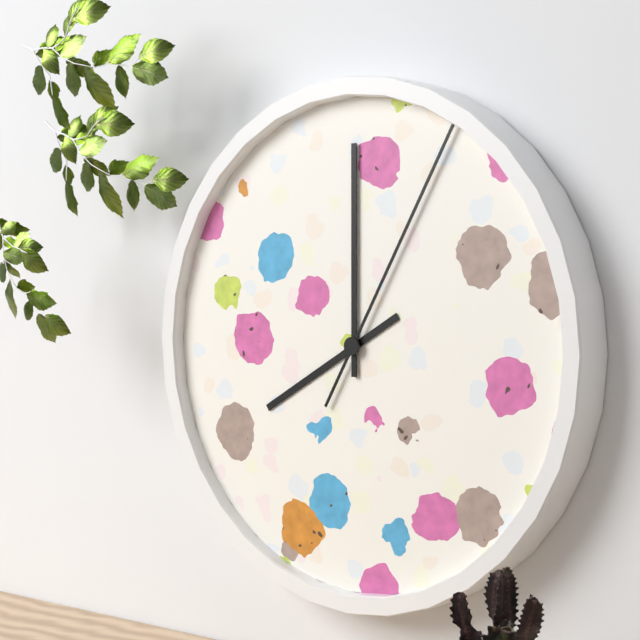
{"hour": 8, "minute": 0, "second": 5}
